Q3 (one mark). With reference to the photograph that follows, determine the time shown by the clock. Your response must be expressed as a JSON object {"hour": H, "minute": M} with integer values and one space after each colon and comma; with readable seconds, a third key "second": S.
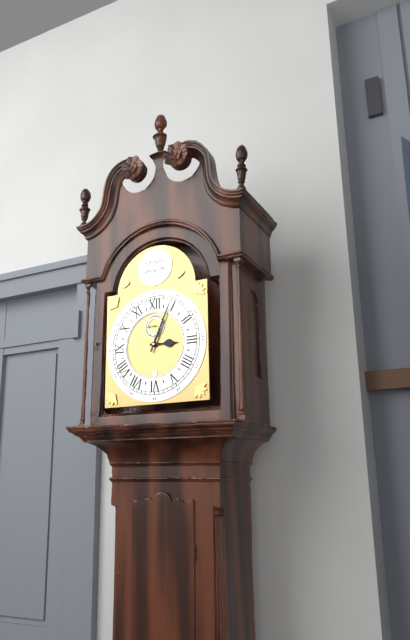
{"hour": 3, "minute": 4}
